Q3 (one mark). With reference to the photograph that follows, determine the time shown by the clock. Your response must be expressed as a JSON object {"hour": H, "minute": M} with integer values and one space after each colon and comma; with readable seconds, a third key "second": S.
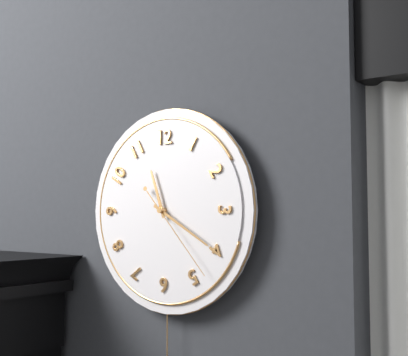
{"hour": 11, "minute": 20, "second": 23}
